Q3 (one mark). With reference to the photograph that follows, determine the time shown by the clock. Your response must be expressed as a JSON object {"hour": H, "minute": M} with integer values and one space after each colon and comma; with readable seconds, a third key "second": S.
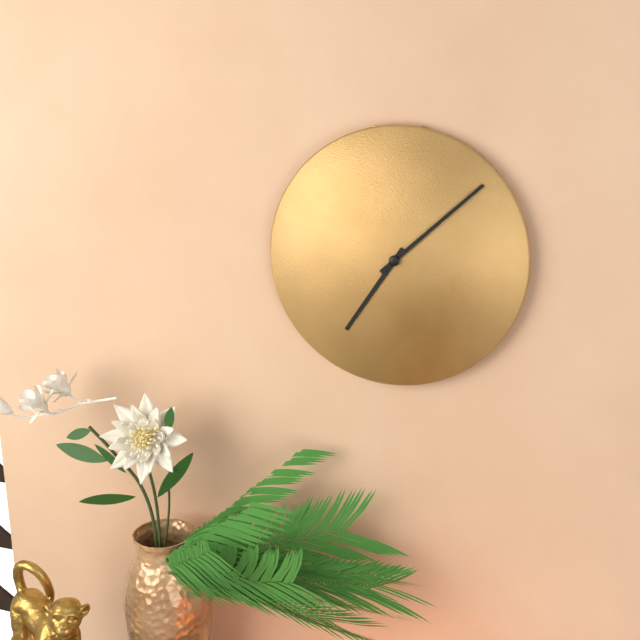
{"hour": 7, "minute": 8}
